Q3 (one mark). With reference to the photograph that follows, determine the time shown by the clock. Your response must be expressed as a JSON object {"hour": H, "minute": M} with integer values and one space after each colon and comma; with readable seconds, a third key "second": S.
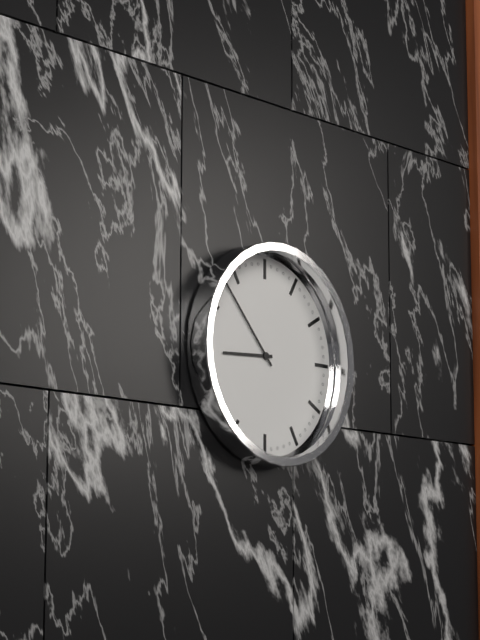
{"hour": 8, "minute": 53}
